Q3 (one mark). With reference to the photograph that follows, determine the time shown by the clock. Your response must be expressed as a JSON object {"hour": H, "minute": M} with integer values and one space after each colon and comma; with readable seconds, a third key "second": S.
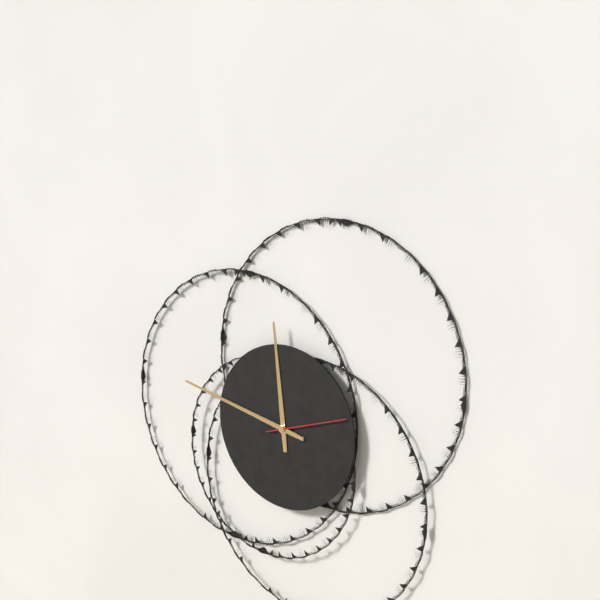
{"hour": 11, "minute": 47, "second": 12}
